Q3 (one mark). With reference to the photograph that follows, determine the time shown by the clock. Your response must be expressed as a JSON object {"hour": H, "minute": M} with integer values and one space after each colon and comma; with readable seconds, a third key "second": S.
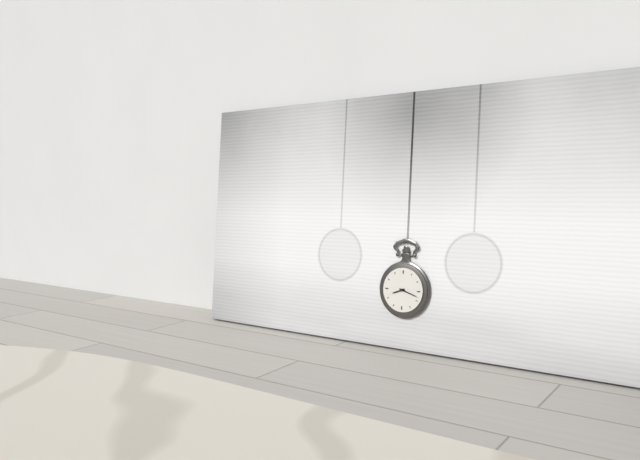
{"hour": 8, "minute": 18}
